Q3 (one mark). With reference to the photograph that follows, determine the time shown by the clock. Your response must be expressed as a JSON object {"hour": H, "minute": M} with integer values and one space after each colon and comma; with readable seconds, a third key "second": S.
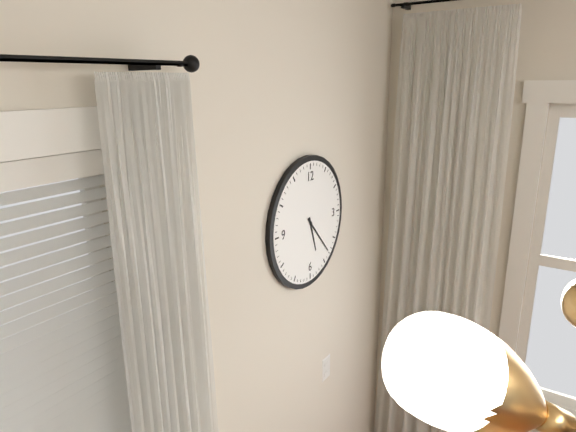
{"hour": 5, "minute": 23}
